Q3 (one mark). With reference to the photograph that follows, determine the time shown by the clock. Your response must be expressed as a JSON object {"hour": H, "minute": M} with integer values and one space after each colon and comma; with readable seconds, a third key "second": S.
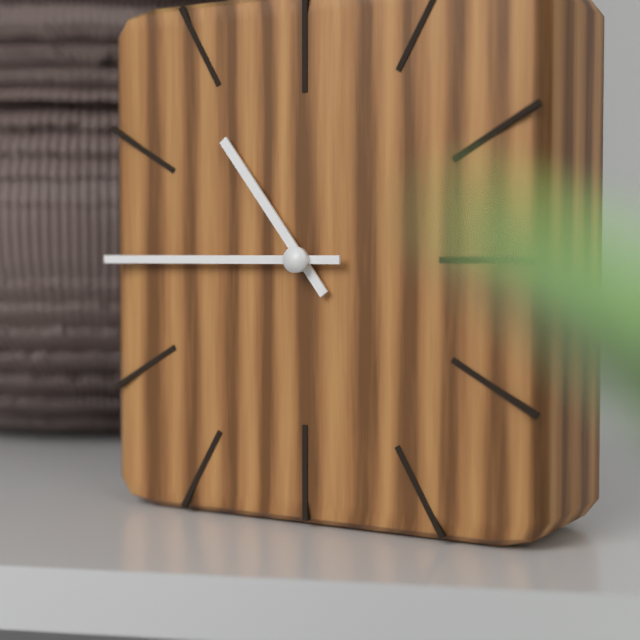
{"hour": 10, "minute": 45}
